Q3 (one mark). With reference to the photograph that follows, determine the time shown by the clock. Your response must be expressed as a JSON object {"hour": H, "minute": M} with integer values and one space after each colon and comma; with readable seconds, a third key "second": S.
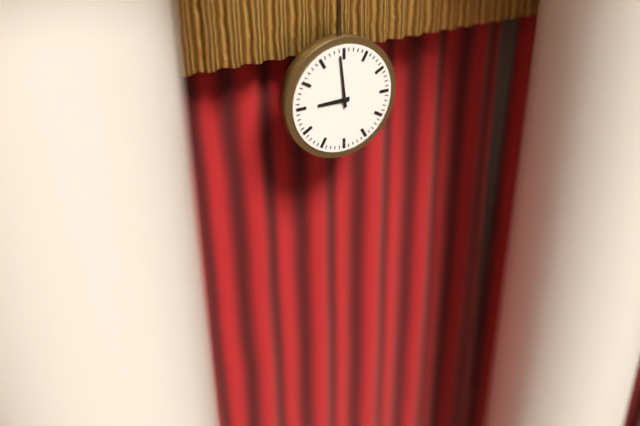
{"hour": 8, "minute": 59}
